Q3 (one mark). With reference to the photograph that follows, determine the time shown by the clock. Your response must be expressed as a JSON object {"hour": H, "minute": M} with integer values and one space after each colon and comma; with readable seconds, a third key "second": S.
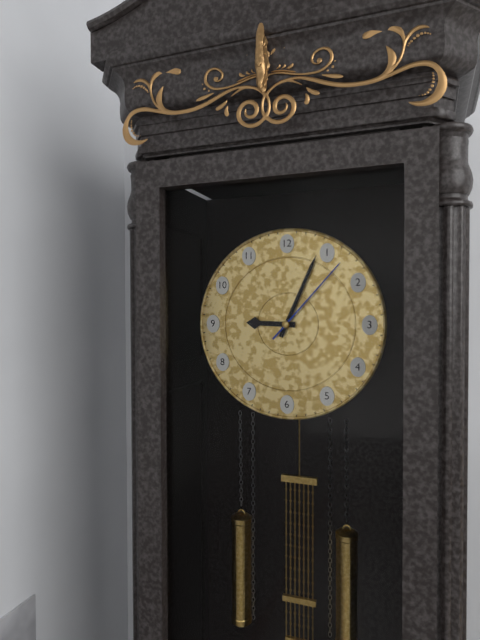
{"hour": 9, "minute": 4, "second": 7}
